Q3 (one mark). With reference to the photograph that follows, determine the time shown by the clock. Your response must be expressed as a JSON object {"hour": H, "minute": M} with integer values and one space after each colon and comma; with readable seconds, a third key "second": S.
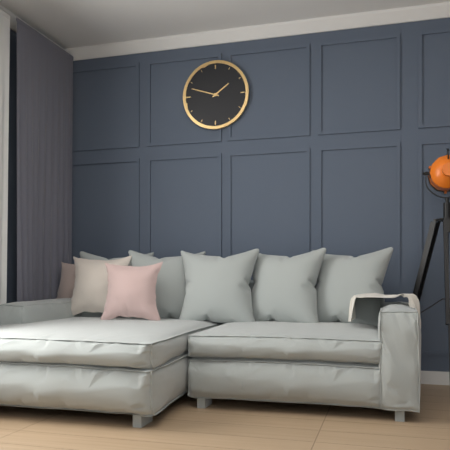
{"hour": 1, "minute": 48}
